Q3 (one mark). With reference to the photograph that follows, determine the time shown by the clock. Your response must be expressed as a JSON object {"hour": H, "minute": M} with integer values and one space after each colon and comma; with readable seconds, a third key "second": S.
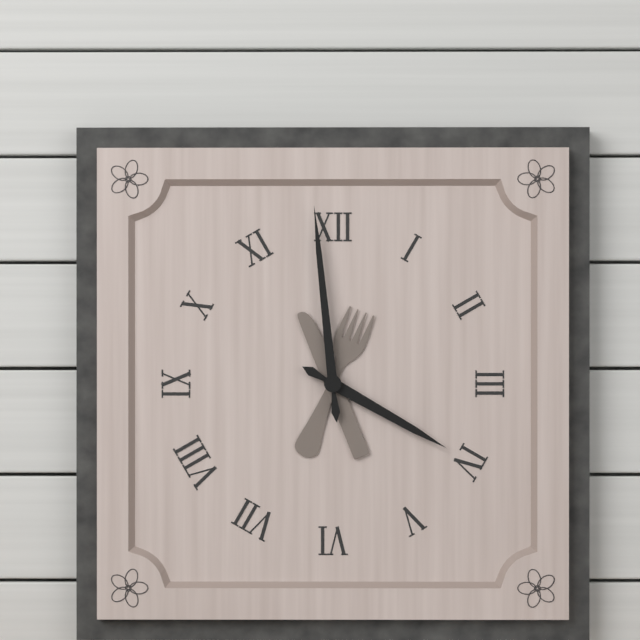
{"hour": 3, "minute": 59}
